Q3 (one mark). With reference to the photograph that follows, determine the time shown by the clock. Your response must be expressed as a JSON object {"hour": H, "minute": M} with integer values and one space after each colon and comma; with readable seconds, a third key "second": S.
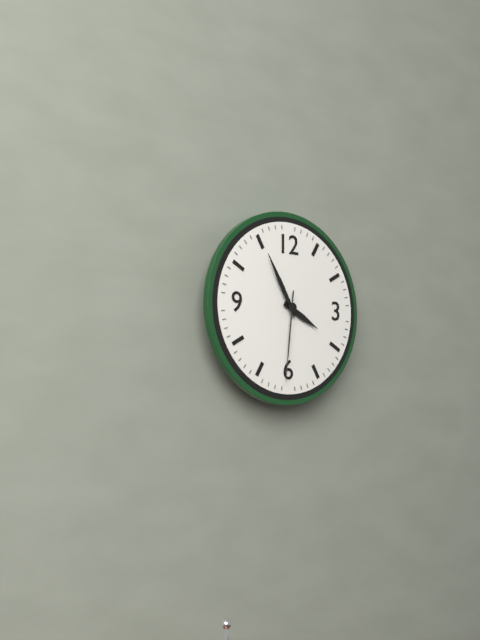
{"hour": 3, "minute": 55, "second": 31}
